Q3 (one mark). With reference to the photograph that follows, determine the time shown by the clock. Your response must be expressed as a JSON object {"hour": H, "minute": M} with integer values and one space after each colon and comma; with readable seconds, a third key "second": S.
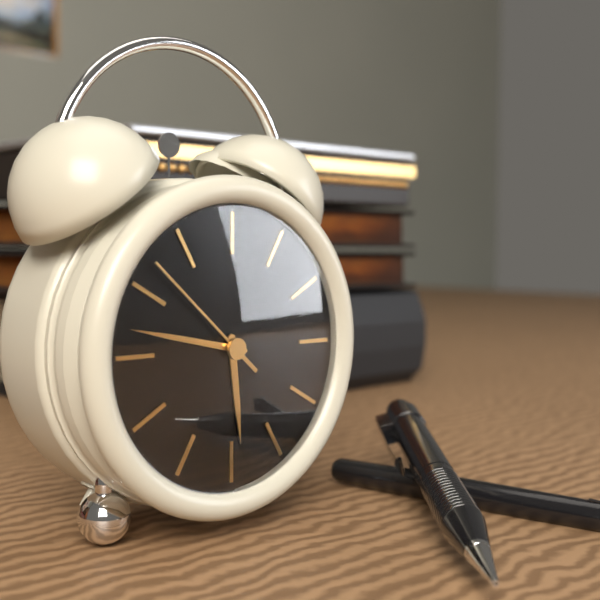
{"hour": 5, "minute": 47, "second": 52}
